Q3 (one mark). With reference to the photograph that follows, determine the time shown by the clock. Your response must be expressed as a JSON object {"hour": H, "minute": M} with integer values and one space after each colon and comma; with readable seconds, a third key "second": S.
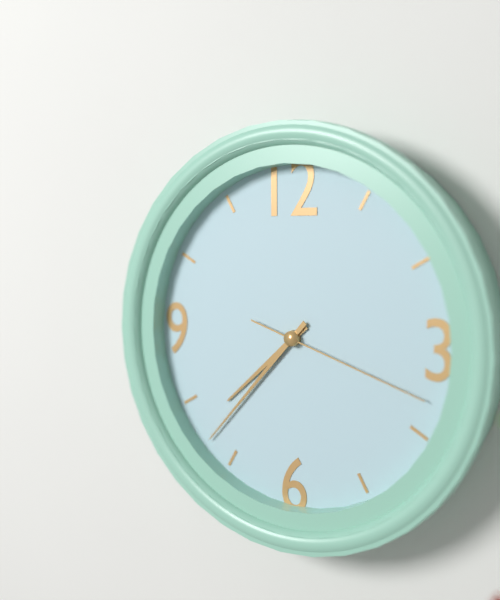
{"hour": 7, "minute": 37, "second": 18}
